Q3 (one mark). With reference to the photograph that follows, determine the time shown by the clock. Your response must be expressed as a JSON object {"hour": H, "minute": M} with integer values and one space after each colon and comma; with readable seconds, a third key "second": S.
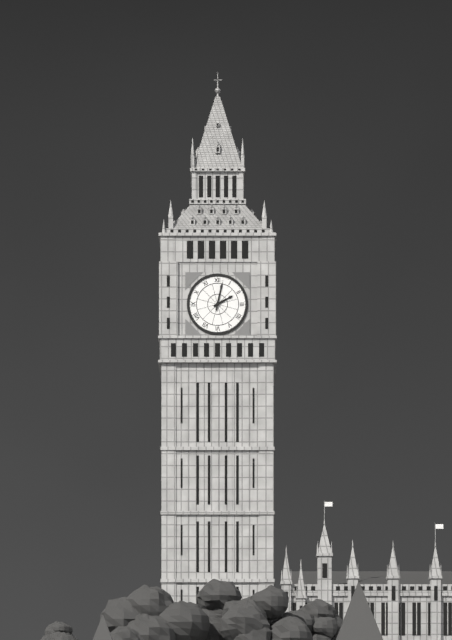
{"hour": 2, "minute": 2}
